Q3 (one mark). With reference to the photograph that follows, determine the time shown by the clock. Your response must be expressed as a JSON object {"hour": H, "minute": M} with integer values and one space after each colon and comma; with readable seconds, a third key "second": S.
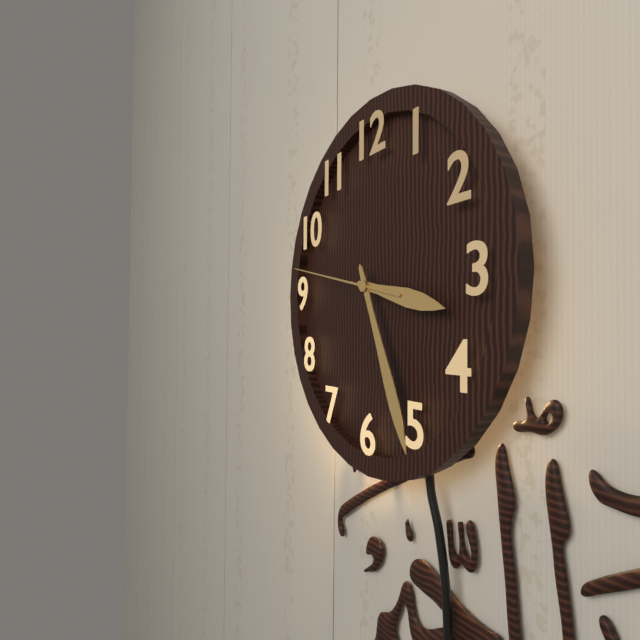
{"hour": 3, "minute": 26, "second": 47}
